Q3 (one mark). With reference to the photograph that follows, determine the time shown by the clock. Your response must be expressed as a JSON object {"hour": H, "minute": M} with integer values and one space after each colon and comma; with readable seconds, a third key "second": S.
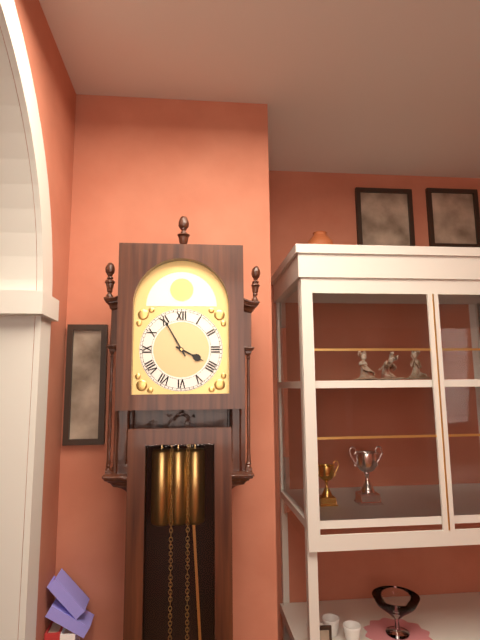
{"hour": 3, "minute": 55}
